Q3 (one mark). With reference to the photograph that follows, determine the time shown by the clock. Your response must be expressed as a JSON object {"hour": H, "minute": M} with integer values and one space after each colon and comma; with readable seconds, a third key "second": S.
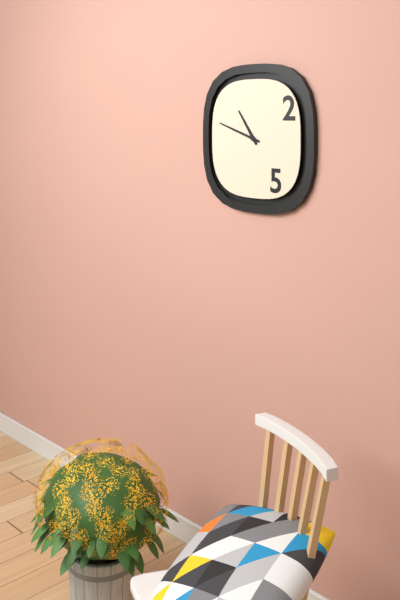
{"hour": 10, "minute": 48}
